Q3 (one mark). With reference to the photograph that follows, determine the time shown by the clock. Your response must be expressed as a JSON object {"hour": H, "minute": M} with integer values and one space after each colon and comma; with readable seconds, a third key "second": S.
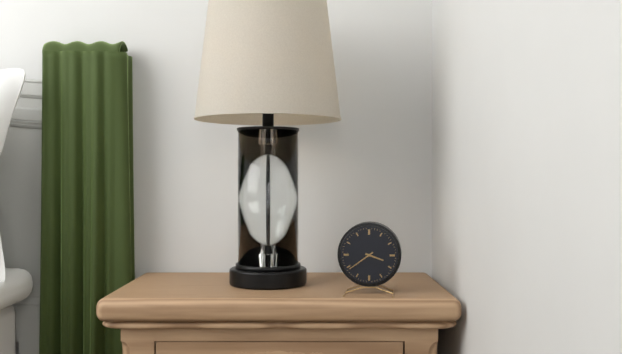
{"hour": 3, "minute": 39}
